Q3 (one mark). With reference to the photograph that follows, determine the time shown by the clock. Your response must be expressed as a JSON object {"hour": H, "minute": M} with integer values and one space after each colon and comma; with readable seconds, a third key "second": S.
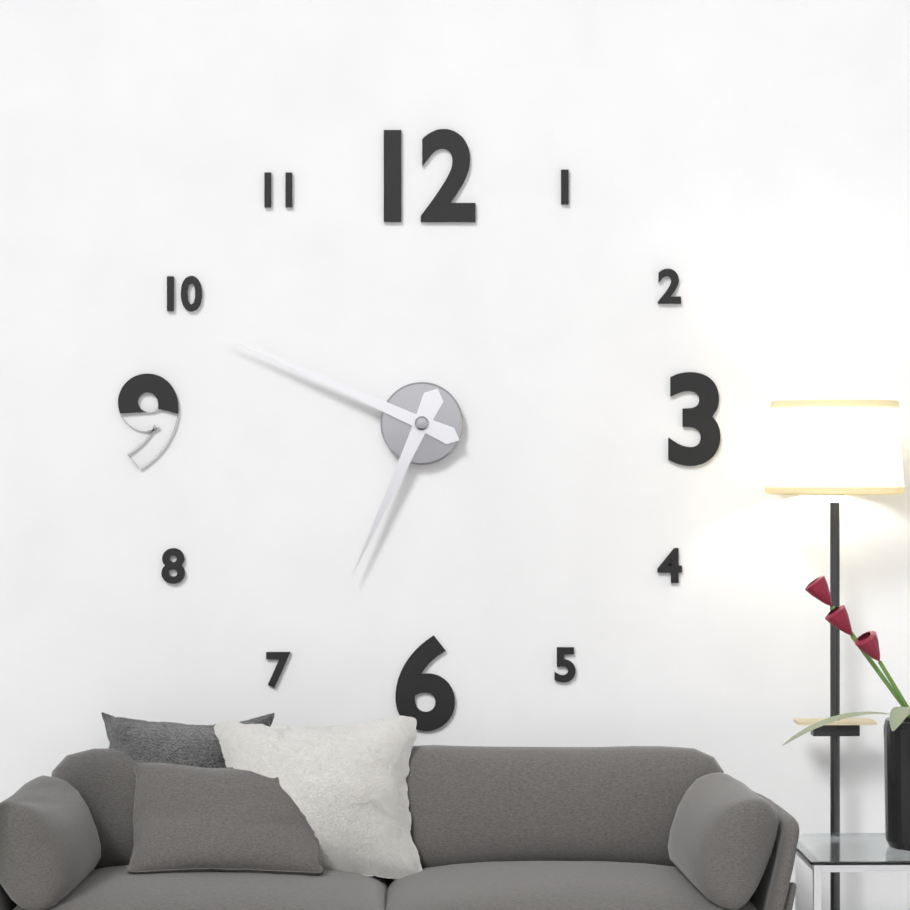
{"hour": 6, "minute": 49}
